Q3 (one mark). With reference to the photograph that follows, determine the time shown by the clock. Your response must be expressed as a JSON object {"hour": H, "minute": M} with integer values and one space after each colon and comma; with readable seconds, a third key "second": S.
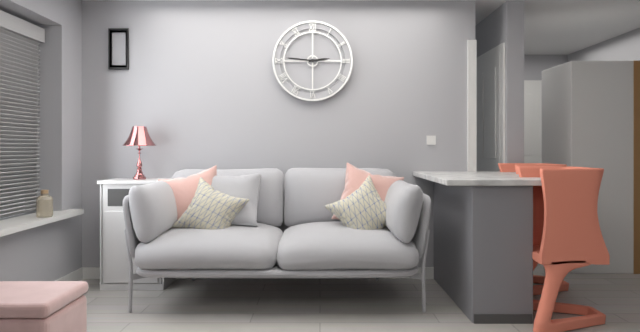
{"hour": 2, "minute": 46}
